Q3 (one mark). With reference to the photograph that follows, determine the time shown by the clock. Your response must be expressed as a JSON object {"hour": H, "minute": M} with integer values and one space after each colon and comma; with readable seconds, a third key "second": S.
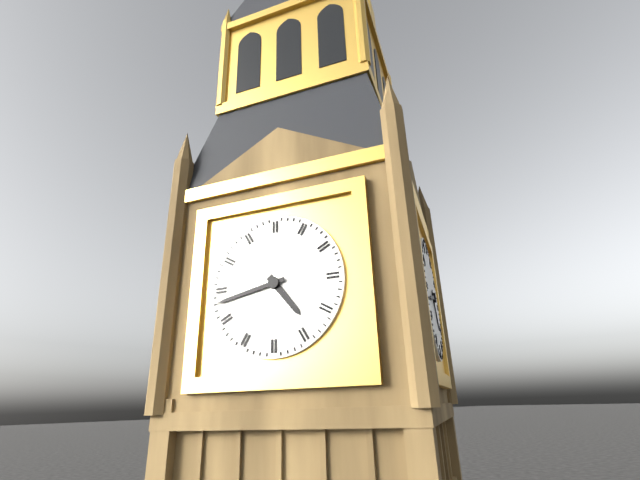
{"hour": 4, "minute": 43}
